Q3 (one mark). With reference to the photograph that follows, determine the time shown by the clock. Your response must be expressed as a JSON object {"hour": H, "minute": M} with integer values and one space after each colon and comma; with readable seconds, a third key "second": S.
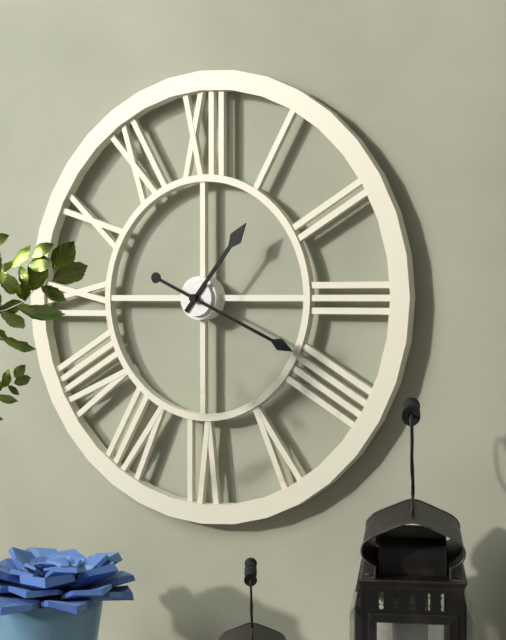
{"hour": 1, "minute": 19}
